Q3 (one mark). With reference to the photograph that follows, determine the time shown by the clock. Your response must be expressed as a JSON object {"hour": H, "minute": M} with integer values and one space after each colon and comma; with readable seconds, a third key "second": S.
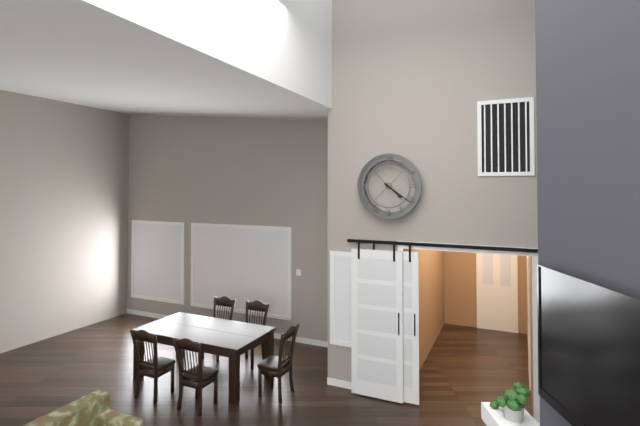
{"hour": 4, "minute": 21}
